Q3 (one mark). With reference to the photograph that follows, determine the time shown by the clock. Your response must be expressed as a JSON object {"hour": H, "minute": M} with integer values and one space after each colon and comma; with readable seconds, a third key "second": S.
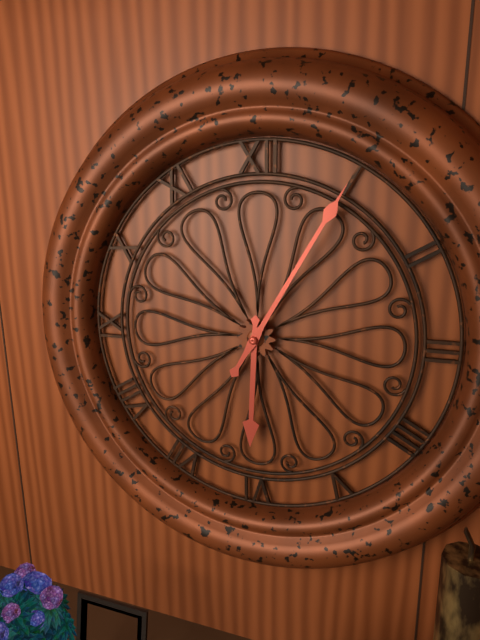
{"hour": 6, "minute": 5}
